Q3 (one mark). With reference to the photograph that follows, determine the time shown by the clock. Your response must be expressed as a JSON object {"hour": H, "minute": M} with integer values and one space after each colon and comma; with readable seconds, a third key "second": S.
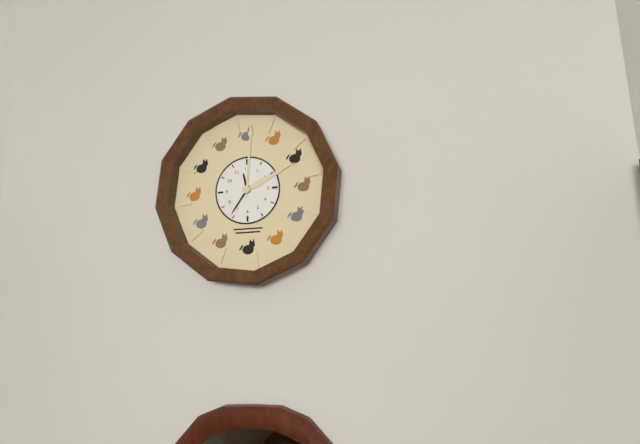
{"hour": 11, "minute": 36}
